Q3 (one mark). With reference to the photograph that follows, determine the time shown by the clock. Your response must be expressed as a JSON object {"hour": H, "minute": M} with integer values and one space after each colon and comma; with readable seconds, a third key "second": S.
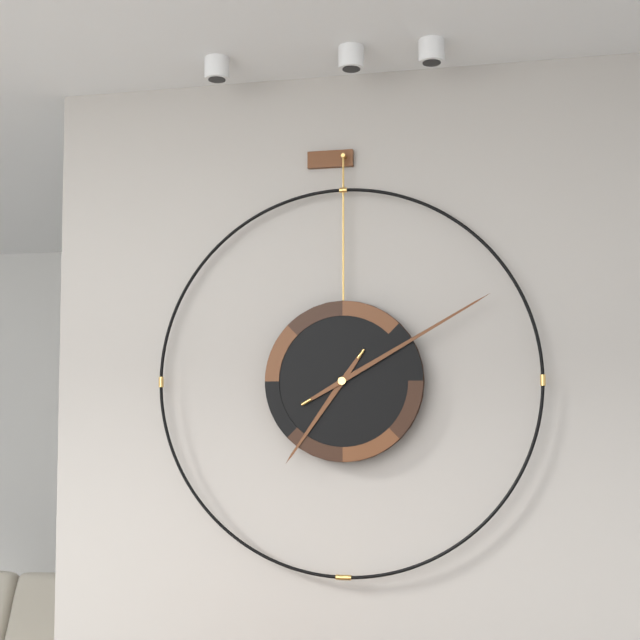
{"hour": 7, "minute": 10}
